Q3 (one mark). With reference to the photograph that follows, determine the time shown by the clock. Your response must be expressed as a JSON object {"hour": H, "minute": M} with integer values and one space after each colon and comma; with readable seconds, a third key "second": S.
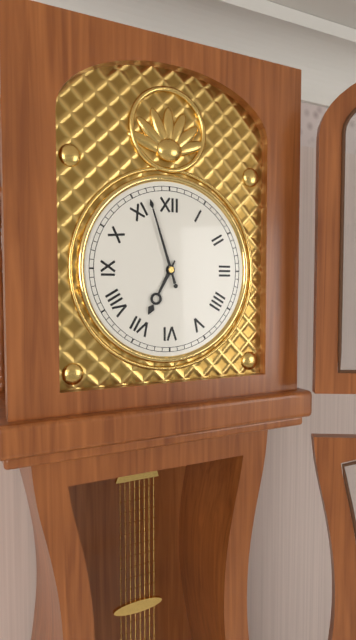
{"hour": 6, "minute": 57}
